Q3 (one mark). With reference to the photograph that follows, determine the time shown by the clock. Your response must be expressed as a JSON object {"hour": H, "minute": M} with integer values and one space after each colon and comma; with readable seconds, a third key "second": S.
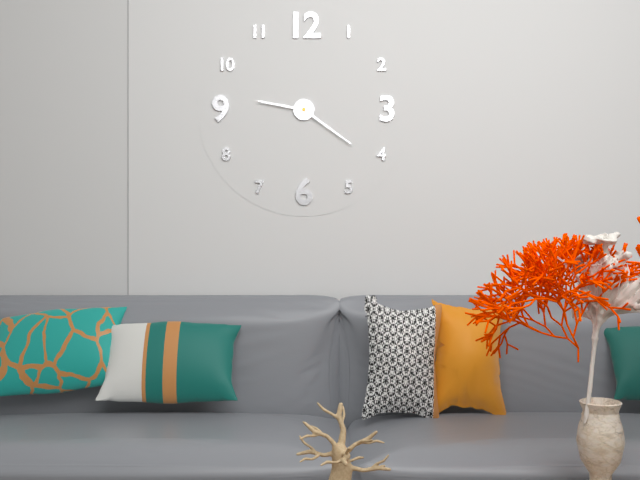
{"hour": 9, "minute": 21}
